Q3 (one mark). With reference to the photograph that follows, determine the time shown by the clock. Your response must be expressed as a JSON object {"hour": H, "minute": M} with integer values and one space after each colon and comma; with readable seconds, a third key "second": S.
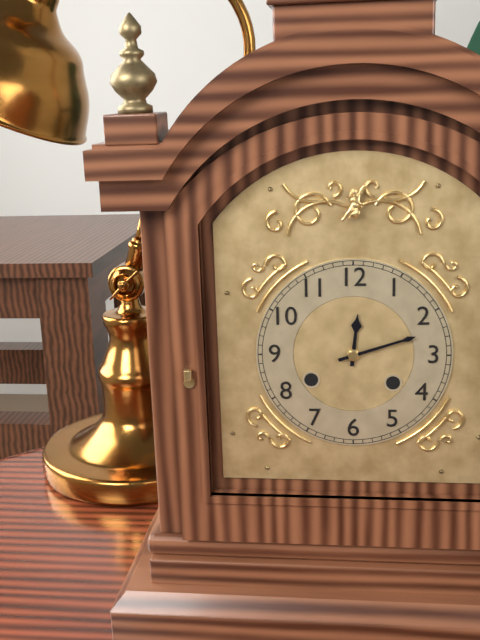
{"hour": 12, "minute": 12}
